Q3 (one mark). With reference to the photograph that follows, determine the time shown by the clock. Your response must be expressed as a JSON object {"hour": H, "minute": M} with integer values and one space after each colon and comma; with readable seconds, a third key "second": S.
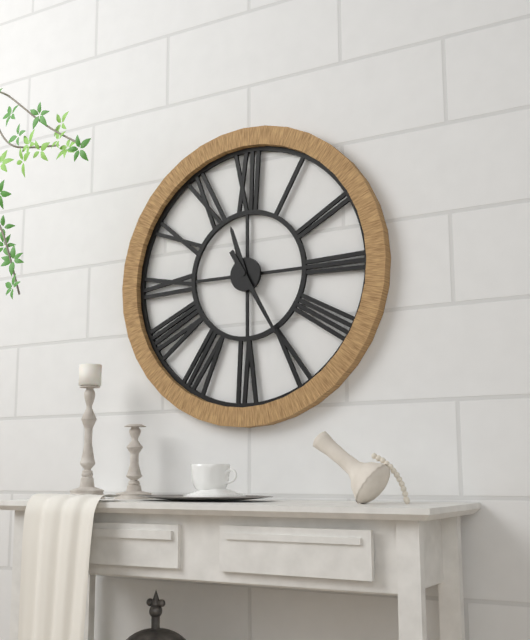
{"hour": 11, "minute": 25}
